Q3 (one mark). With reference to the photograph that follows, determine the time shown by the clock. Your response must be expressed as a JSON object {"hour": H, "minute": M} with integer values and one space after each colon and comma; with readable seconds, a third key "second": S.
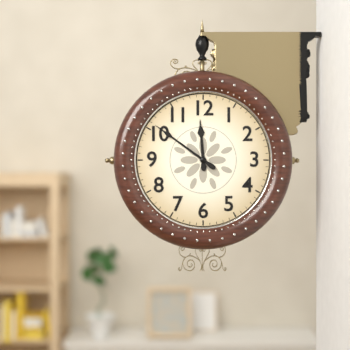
{"hour": 11, "minute": 51}
